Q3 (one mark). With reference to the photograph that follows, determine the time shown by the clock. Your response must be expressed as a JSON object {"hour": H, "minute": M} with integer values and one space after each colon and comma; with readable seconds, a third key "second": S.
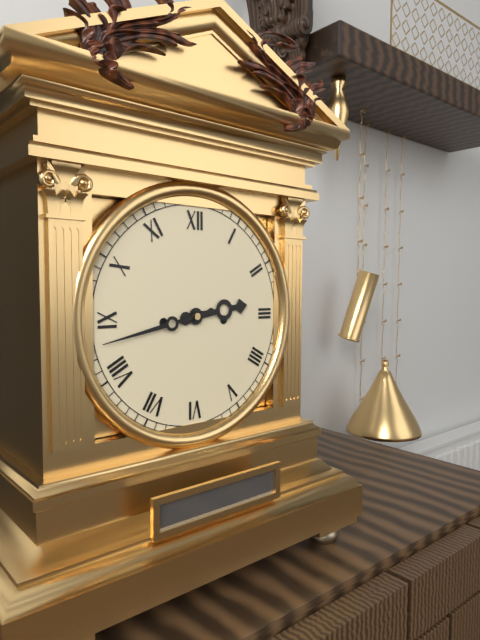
{"hour": 2, "minute": 43}
